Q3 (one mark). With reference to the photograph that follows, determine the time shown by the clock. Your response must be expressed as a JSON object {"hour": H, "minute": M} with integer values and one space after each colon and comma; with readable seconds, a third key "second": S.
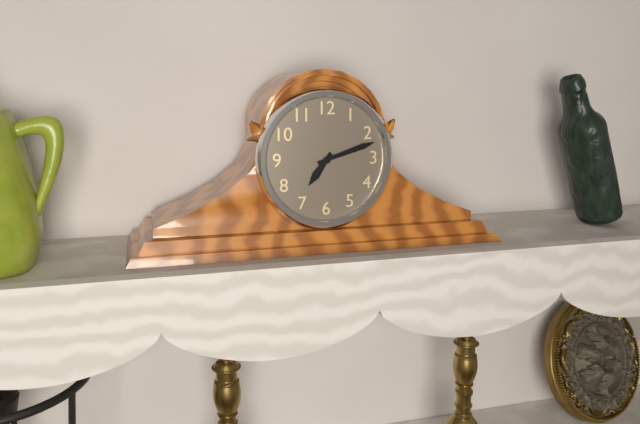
{"hour": 7, "minute": 12}
